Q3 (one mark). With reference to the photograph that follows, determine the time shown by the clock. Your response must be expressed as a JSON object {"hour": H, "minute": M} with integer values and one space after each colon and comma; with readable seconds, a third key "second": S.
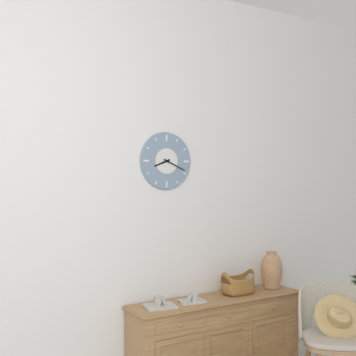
{"hour": 8, "minute": 19}
